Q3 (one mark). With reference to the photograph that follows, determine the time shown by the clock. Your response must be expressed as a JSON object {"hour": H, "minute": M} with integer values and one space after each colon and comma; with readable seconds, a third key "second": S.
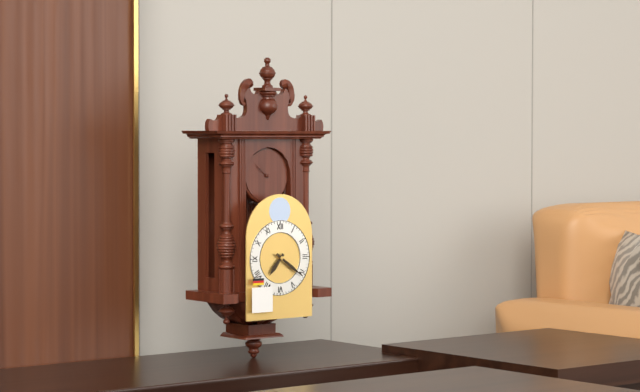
{"hour": 7, "minute": 21}
